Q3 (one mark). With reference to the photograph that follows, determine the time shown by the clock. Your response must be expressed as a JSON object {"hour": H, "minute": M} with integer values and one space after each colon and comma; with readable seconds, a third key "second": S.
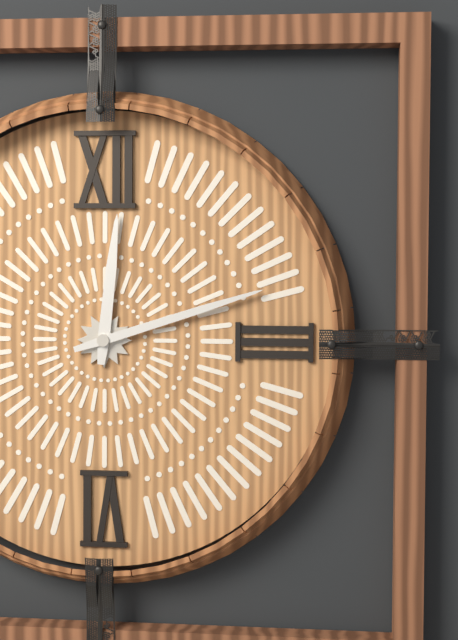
{"hour": 12, "minute": 12}
